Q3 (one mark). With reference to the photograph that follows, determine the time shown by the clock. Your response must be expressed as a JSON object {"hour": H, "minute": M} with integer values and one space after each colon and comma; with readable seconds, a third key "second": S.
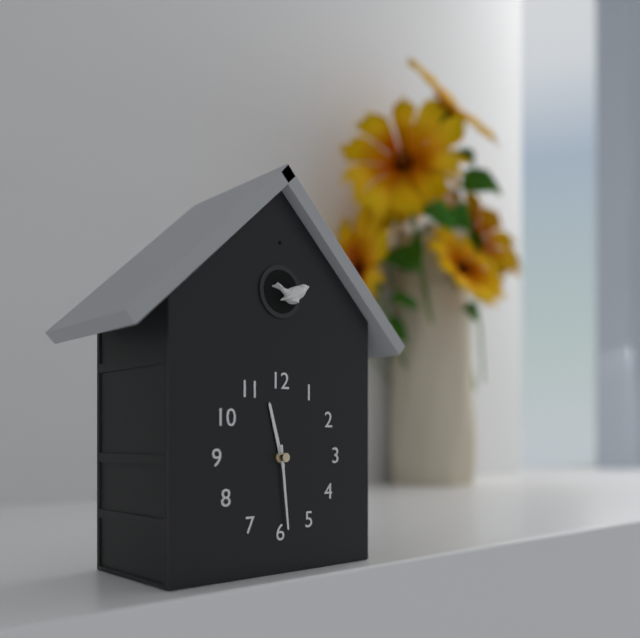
{"hour": 11, "minute": 29}
